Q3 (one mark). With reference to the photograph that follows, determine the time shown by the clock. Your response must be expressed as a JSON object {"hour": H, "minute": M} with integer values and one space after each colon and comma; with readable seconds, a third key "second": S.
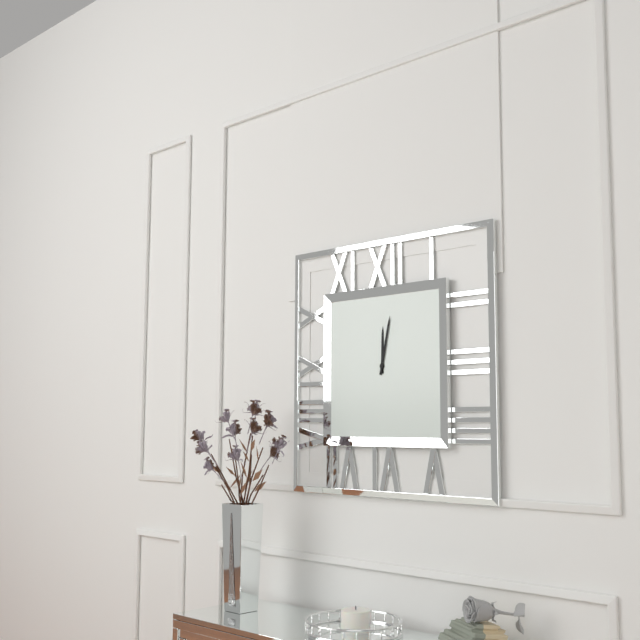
{"hour": 12, "minute": 2}
